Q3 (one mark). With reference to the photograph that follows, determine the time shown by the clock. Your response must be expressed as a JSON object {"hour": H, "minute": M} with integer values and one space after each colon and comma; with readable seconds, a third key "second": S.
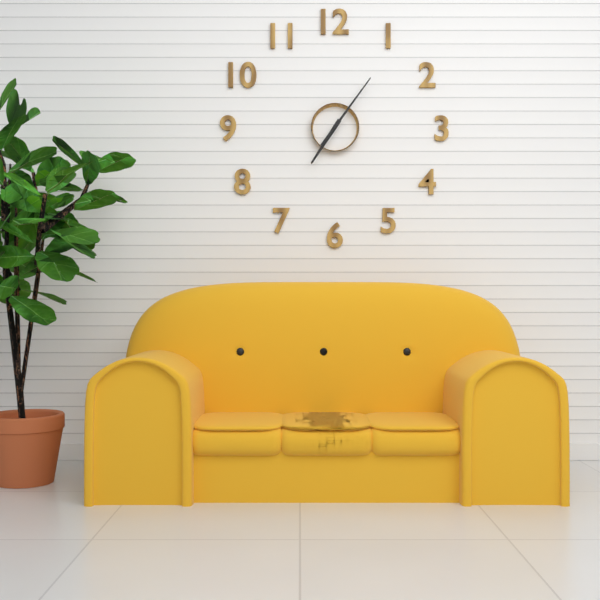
{"hour": 7, "minute": 6}
